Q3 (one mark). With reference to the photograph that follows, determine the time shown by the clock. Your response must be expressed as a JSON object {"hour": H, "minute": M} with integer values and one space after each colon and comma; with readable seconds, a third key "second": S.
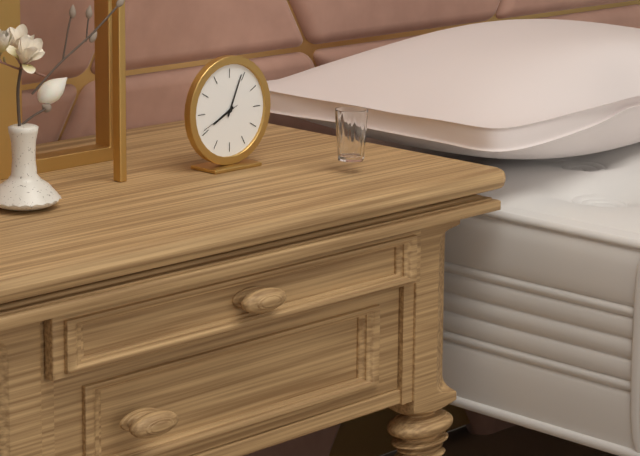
{"hour": 8, "minute": 4}
